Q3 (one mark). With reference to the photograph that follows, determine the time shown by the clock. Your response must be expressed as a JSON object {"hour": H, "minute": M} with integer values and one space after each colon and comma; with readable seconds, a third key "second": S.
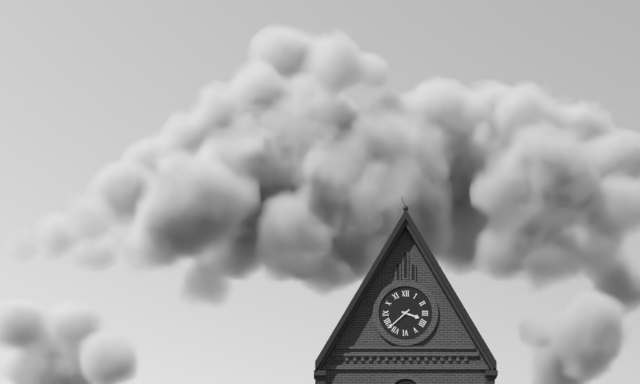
{"hour": 3, "minute": 38}
